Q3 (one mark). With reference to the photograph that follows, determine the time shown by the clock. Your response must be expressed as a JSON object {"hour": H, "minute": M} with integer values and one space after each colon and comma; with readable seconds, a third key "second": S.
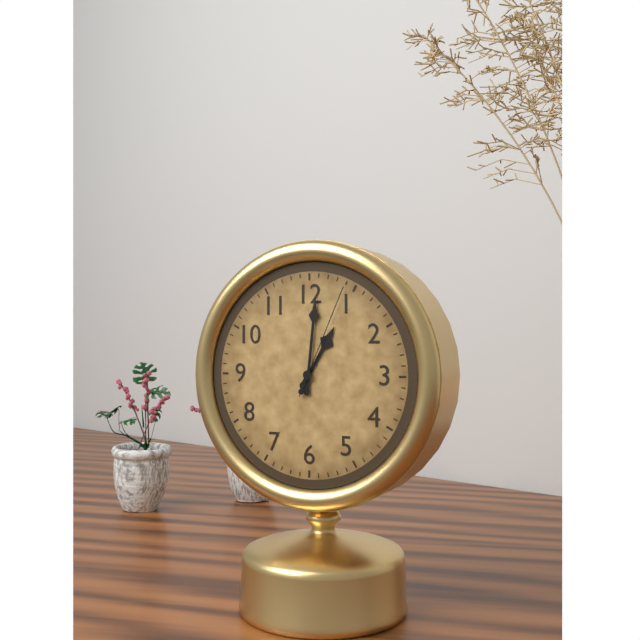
{"hour": 1, "minute": 1, "second": 4}
